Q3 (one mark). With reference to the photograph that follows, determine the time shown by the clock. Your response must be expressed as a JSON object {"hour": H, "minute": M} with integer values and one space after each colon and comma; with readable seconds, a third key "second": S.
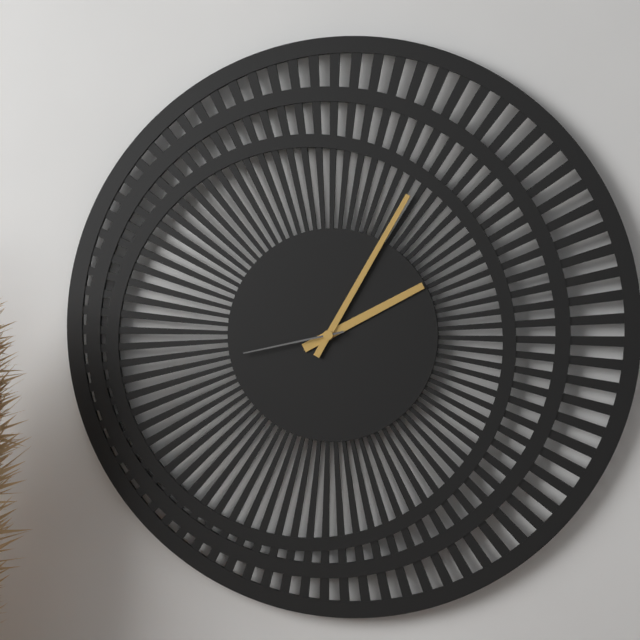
{"hour": 2, "minute": 5, "second": 43}
